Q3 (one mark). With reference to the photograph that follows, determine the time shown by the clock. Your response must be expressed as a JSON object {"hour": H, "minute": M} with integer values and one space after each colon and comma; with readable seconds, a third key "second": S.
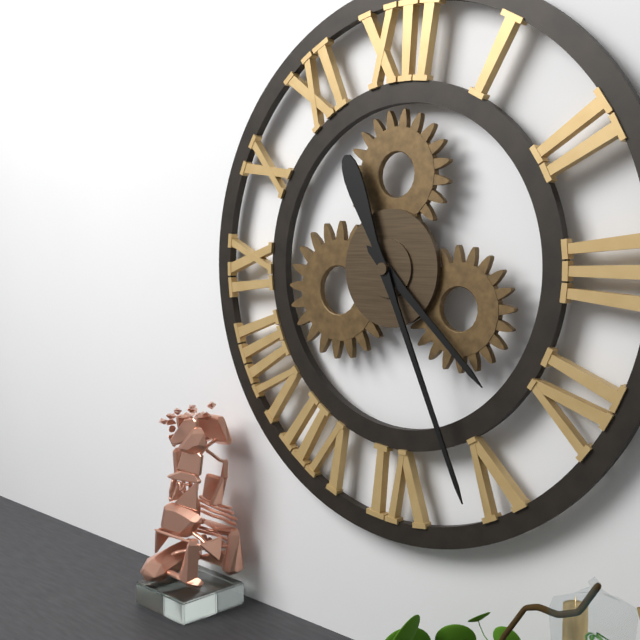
{"hour": 4, "minute": 26}
